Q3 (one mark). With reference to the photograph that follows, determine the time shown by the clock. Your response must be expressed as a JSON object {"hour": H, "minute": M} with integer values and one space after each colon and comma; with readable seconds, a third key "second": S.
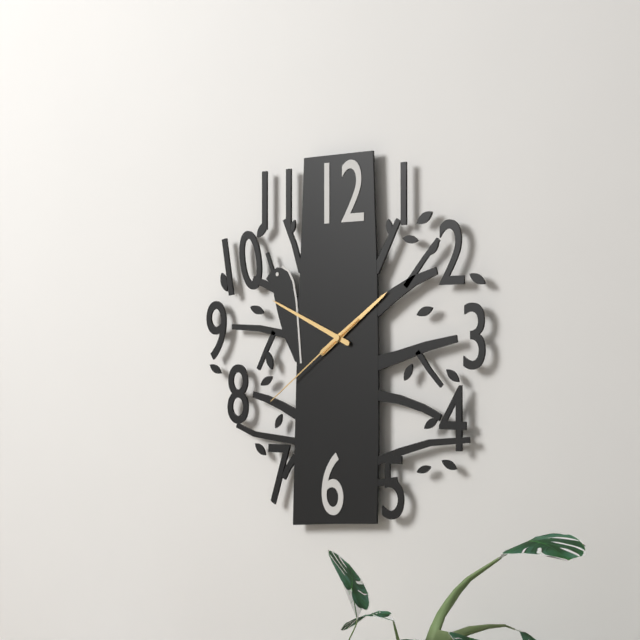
{"hour": 1, "minute": 49, "second": 39}
